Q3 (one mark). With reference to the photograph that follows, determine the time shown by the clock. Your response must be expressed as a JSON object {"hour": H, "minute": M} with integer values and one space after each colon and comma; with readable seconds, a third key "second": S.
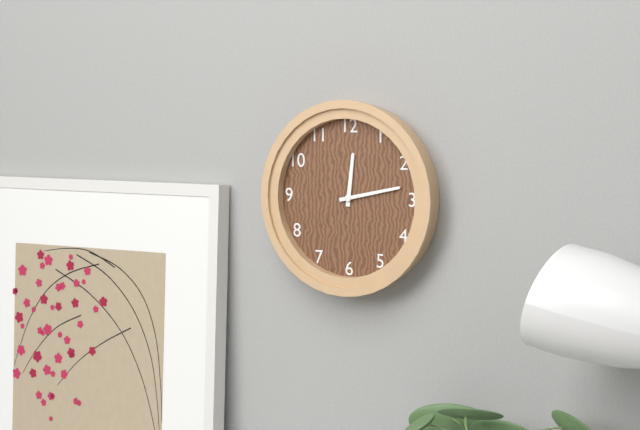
{"hour": 12, "minute": 13}
